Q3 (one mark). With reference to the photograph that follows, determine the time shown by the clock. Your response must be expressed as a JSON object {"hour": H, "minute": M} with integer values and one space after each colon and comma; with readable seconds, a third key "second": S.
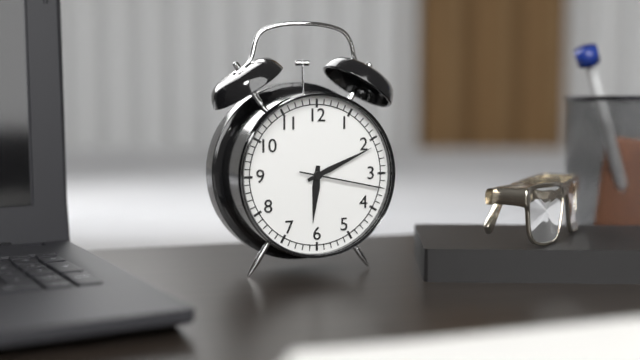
{"hour": 6, "minute": 11, "second": 17}
